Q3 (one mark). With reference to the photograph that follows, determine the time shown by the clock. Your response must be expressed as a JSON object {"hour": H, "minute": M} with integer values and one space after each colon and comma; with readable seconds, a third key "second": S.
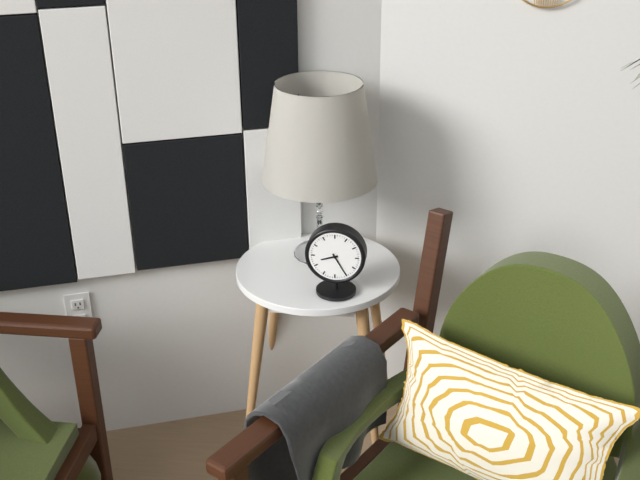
{"hour": 8, "minute": 25}
